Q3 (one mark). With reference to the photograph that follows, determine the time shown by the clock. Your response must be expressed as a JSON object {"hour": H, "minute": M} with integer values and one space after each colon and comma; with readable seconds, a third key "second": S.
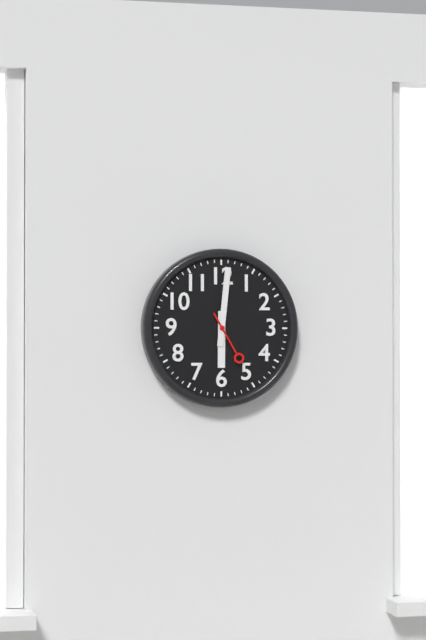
{"hour": 6, "minute": 1, "second": 25}
